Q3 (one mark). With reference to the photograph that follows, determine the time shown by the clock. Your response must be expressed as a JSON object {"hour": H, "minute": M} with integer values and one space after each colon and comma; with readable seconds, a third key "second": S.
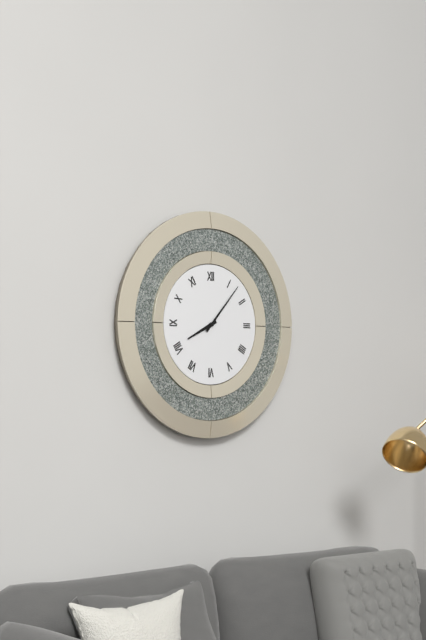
{"hour": 8, "minute": 7}
